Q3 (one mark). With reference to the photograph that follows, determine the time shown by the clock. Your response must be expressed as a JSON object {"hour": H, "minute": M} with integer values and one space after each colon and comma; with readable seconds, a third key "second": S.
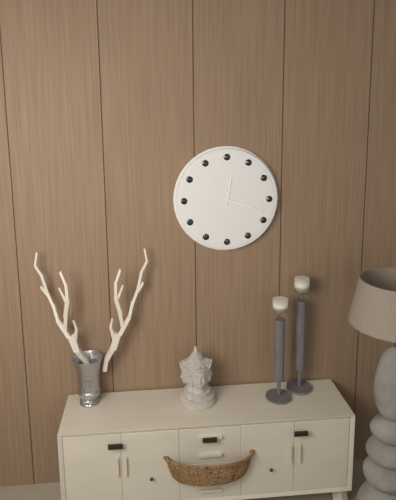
{"hour": 12, "minute": 18}
